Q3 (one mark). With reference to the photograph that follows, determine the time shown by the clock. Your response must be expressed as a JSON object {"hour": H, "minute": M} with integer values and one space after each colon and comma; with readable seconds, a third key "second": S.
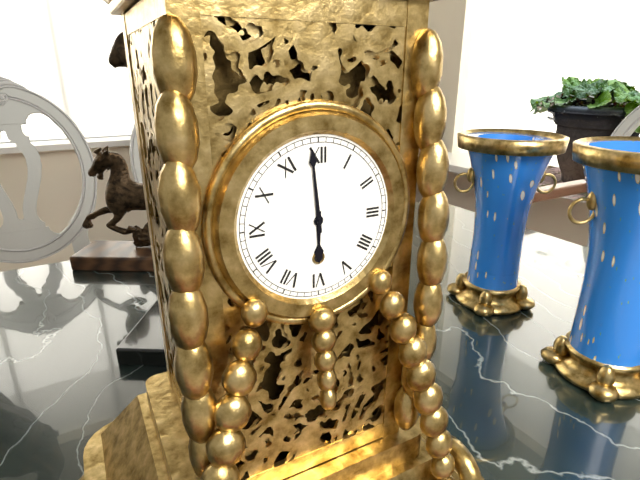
{"hour": 5, "minute": 59}
